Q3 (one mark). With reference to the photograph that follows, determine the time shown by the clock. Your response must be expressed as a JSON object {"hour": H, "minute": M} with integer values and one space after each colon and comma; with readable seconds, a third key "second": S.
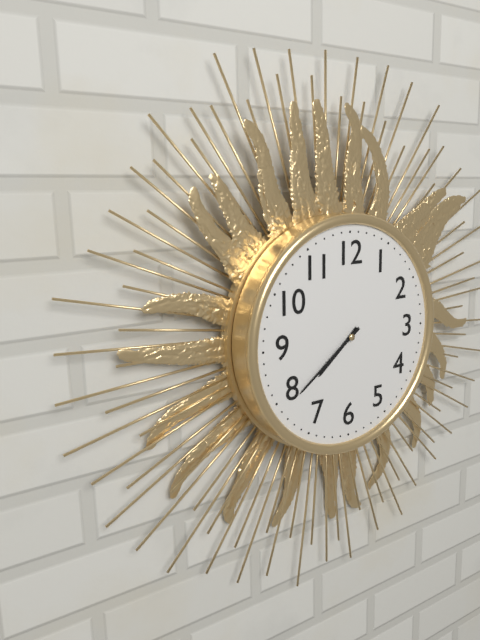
{"hour": 7, "minute": 39}
